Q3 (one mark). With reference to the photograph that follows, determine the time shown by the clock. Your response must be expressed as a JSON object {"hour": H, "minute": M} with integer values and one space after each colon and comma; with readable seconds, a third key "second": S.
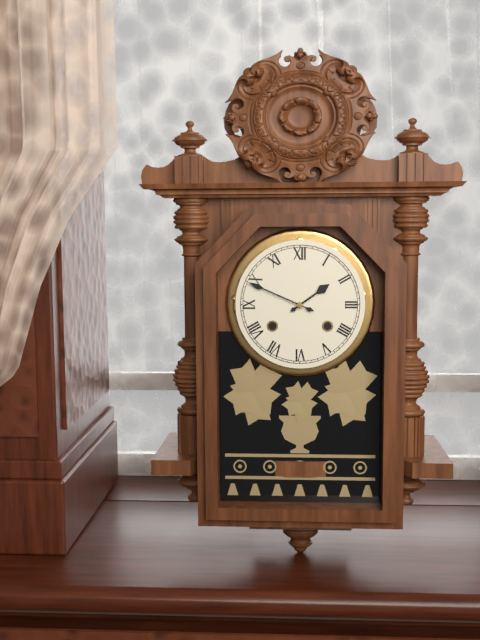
{"hour": 1, "minute": 49}
